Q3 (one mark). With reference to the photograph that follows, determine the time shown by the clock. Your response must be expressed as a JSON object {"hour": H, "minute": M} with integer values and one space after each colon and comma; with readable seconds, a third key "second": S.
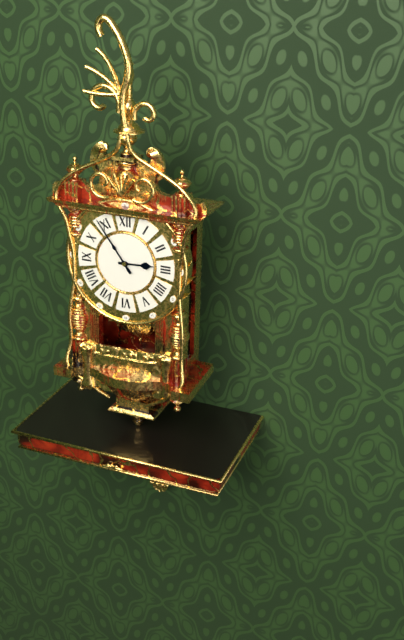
{"hour": 2, "minute": 54}
